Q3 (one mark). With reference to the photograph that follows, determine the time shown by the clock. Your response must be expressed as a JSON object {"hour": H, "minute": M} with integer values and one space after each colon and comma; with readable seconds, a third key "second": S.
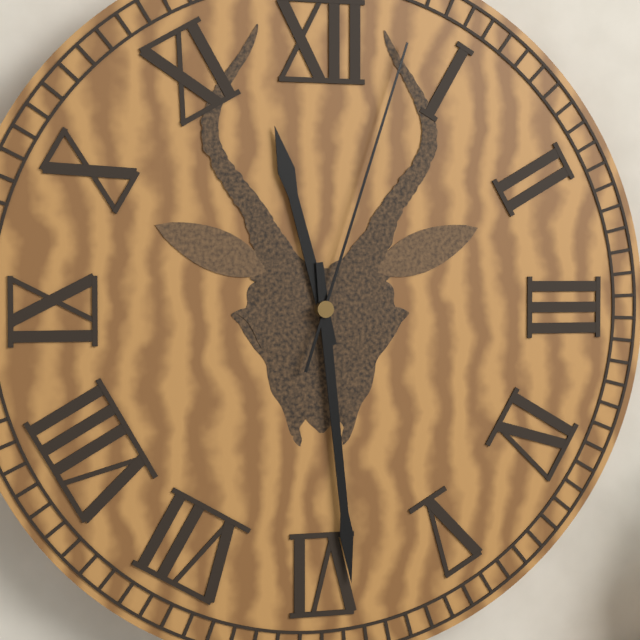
{"hour": 11, "minute": 29, "second": 3}
